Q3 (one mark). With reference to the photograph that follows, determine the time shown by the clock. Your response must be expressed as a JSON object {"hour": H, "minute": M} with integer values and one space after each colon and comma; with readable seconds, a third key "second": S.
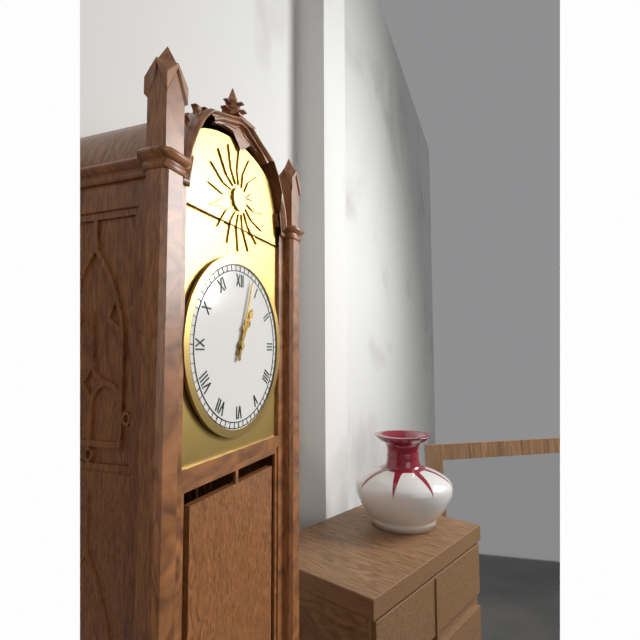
{"hour": 1, "minute": 3}
